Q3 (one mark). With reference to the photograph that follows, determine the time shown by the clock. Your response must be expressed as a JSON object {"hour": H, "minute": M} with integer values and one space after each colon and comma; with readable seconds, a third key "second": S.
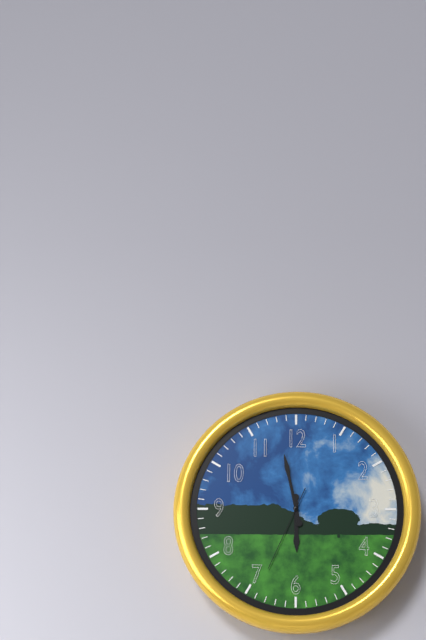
{"hour": 5, "minute": 58, "second": 34}
